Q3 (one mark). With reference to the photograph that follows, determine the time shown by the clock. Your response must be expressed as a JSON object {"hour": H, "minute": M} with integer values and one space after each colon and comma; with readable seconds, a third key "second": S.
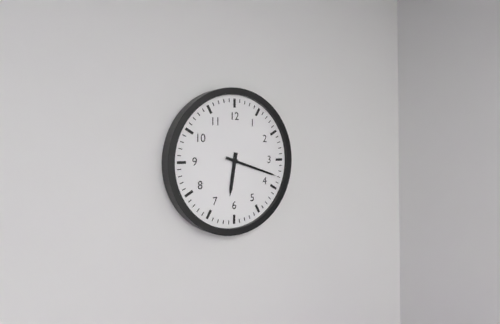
{"hour": 6, "minute": 18}
